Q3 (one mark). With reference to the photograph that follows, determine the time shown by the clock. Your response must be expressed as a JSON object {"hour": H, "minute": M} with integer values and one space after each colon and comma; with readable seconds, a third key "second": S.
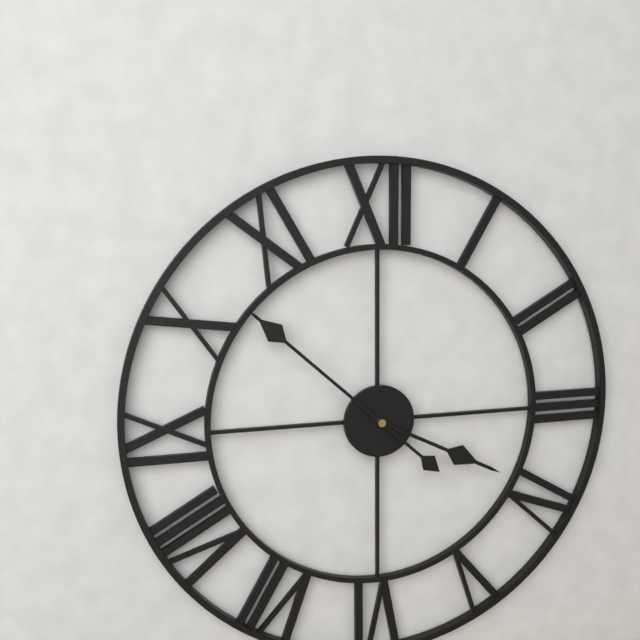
{"hour": 3, "minute": 52}
